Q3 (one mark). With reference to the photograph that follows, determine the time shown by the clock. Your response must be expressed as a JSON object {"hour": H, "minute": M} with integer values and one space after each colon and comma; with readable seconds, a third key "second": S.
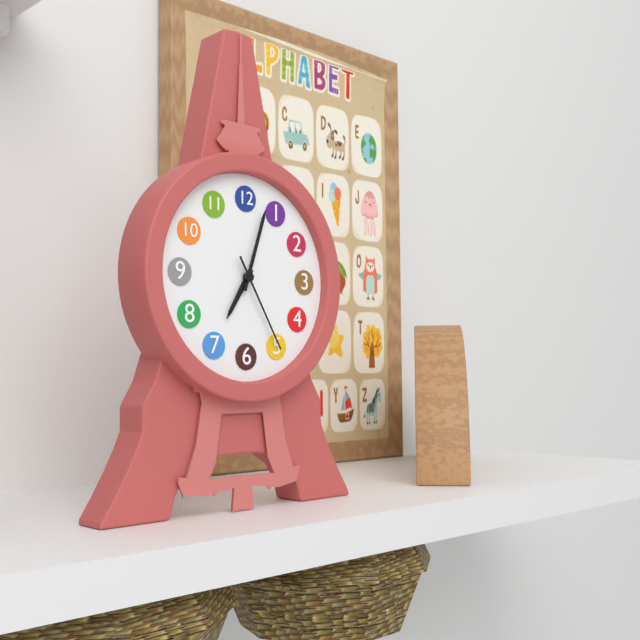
{"hour": 7, "minute": 3, "second": 25}
